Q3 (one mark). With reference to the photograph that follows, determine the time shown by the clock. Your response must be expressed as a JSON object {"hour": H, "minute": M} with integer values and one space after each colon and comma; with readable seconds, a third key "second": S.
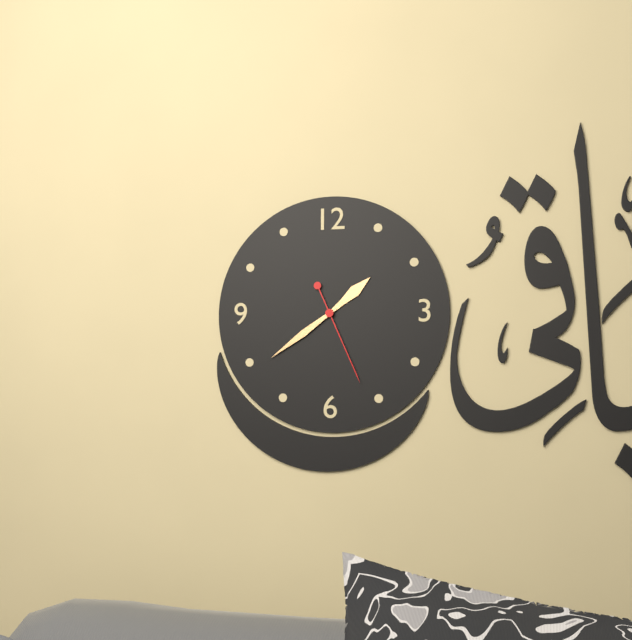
{"hour": 1, "minute": 39, "second": 26}
